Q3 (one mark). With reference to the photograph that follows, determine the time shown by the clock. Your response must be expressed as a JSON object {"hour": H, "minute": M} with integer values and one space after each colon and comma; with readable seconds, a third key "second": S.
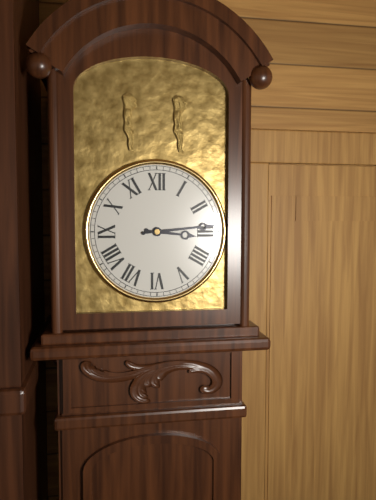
{"hour": 3, "minute": 14}
